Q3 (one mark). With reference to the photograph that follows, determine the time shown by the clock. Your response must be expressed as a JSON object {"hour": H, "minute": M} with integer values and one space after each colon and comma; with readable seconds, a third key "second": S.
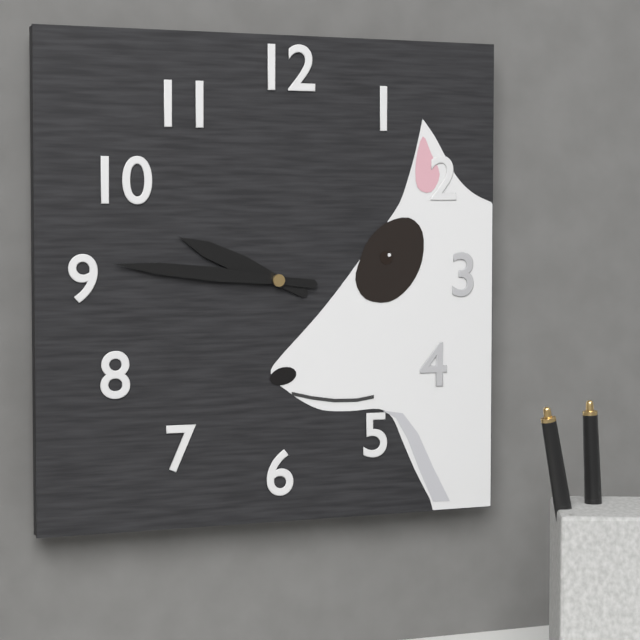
{"hour": 9, "minute": 46}
